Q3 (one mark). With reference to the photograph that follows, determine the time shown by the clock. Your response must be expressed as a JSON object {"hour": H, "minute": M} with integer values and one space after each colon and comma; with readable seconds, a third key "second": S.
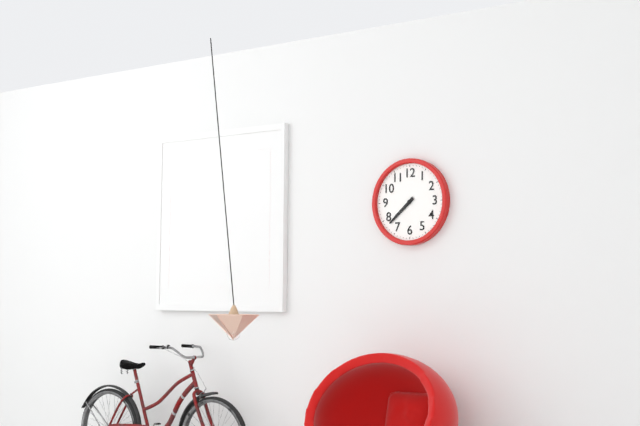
{"hour": 7, "minute": 38}
